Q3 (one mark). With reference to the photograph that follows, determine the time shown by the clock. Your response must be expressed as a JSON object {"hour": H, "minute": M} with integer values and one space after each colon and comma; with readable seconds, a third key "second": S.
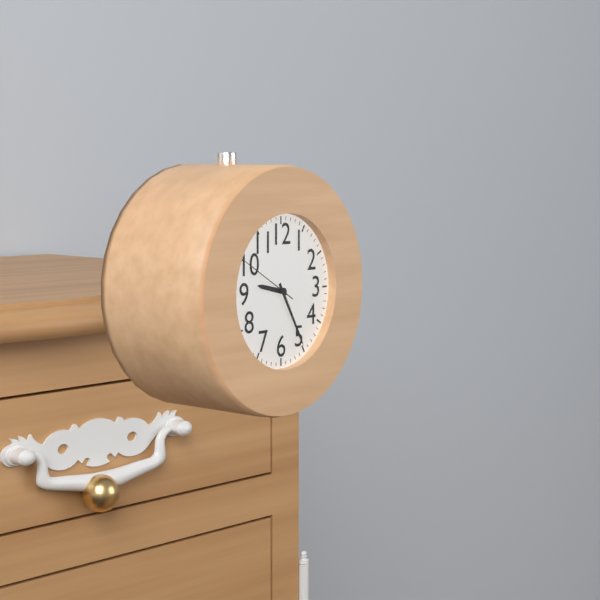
{"hour": 9, "minute": 25, "second": 50}
